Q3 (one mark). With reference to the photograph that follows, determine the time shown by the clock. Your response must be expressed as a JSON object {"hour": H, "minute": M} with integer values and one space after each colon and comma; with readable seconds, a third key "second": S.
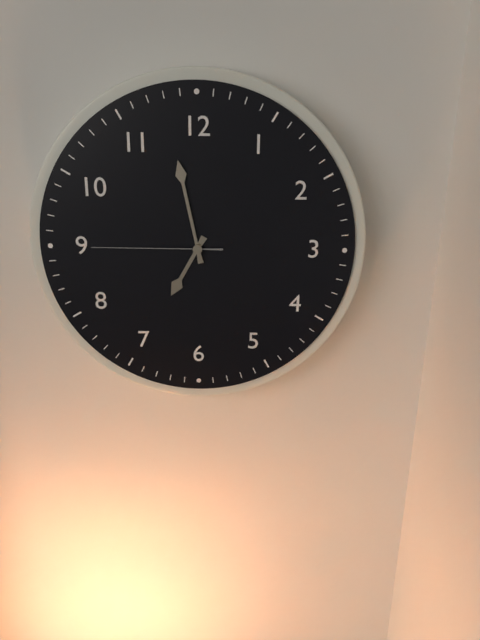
{"hour": 6, "minute": 58, "second": 45}
